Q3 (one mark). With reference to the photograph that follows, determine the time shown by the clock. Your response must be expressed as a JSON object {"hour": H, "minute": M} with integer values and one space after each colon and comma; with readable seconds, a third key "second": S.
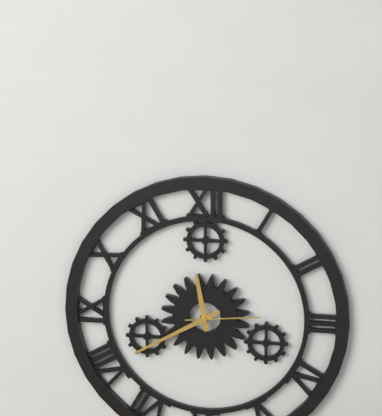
{"hour": 11, "minute": 40, "second": 14}
